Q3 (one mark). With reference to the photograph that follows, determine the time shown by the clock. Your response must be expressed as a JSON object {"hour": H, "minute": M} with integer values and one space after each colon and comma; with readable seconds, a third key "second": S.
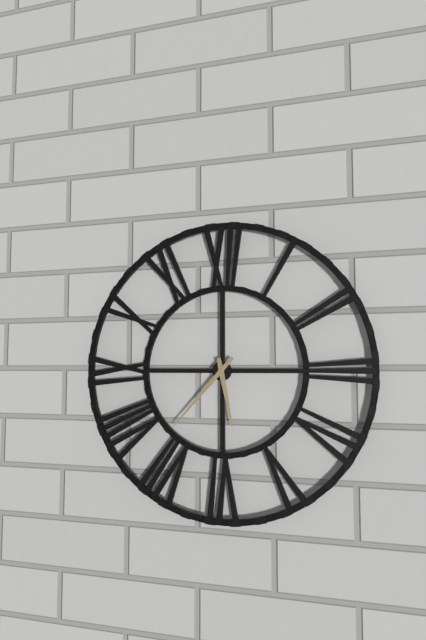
{"hour": 5, "minute": 37}
